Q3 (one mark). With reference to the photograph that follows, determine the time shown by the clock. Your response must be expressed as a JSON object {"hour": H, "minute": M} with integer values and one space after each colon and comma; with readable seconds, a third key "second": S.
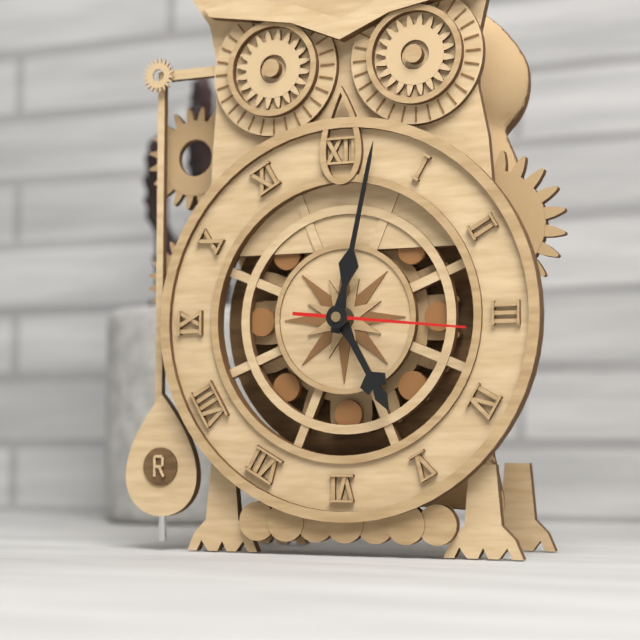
{"hour": 5, "minute": 2, "second": 16}
